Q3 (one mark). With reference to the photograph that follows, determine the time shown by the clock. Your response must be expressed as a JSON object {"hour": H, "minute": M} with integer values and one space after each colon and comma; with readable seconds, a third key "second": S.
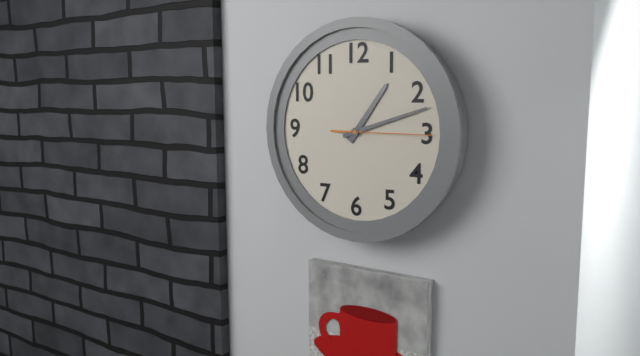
{"hour": 1, "minute": 12, "second": 15}
